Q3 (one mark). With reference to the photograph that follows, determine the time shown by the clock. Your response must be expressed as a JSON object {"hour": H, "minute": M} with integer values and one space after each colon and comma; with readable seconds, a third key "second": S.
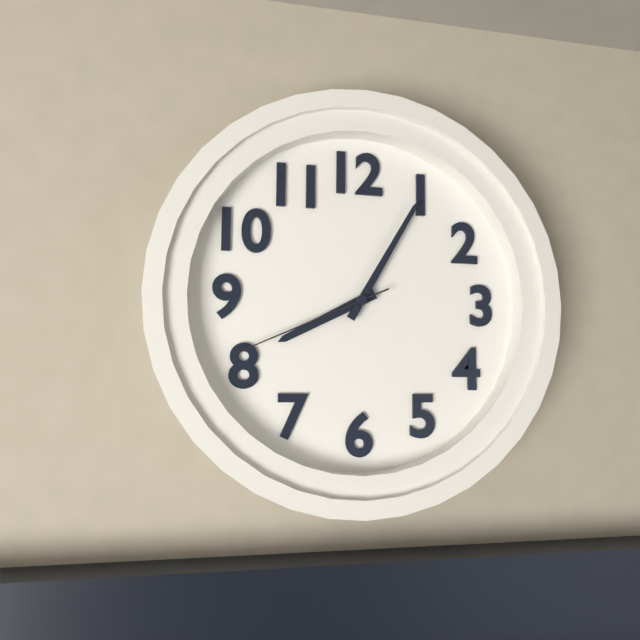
{"hour": 8, "minute": 5, "second": 41}
